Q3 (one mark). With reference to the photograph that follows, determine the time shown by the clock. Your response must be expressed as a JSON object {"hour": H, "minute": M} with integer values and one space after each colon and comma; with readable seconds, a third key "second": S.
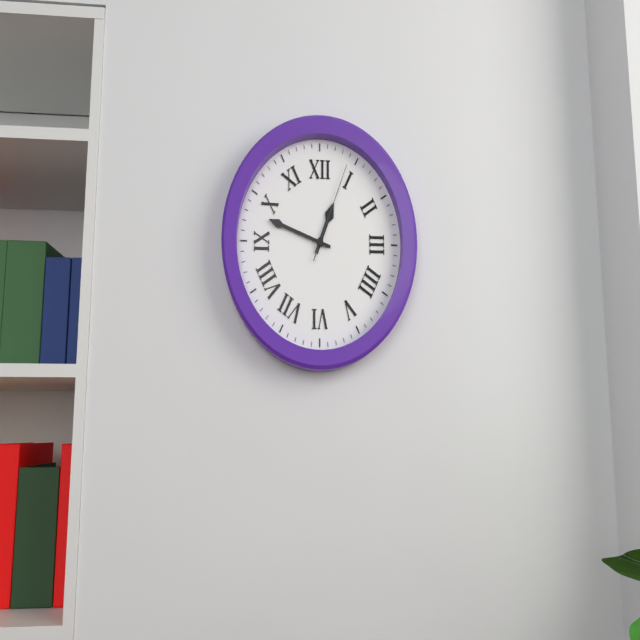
{"hour": 12, "minute": 48, "second": 4}
